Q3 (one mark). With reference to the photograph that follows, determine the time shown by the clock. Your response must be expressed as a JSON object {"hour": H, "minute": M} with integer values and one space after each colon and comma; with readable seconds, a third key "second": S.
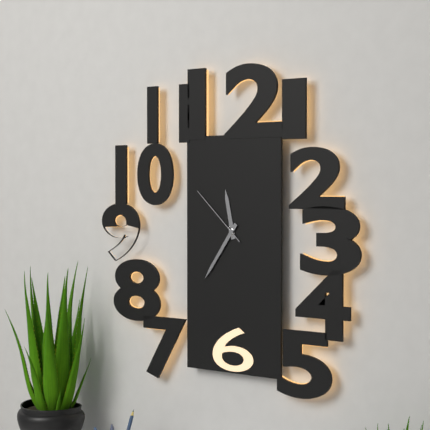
{"hour": 11, "minute": 36, "second": 52}
